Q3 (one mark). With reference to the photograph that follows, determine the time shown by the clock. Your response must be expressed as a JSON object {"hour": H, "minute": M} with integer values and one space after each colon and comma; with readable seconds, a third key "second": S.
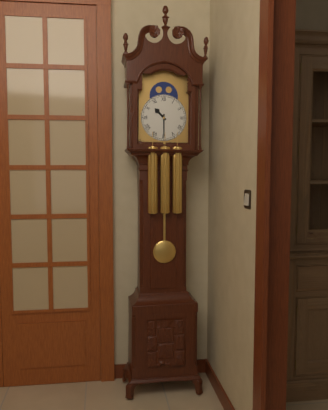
{"hour": 10, "minute": 30}
